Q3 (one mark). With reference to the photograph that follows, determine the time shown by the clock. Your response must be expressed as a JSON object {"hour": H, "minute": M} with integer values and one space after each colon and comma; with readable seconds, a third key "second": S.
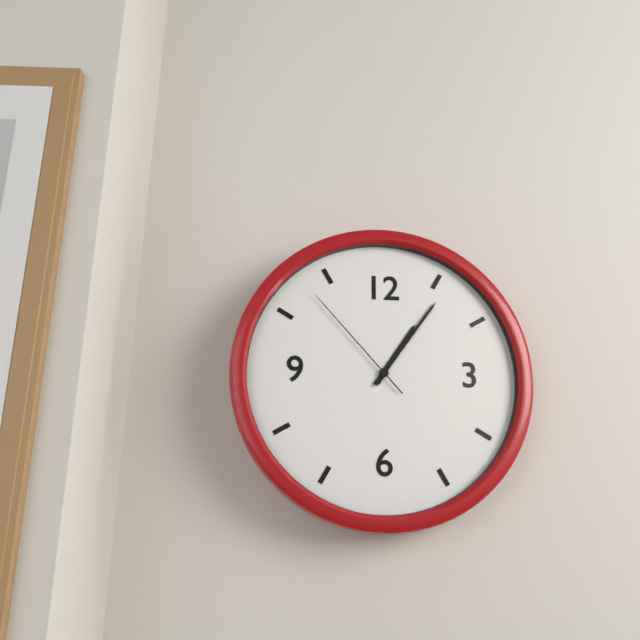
{"hour": 1, "minute": 6, "second": 53}
